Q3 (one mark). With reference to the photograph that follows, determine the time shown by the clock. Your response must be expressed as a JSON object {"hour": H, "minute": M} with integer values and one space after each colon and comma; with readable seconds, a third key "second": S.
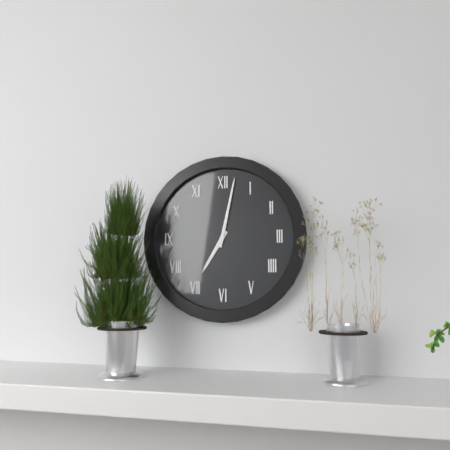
{"hour": 7, "minute": 2}
